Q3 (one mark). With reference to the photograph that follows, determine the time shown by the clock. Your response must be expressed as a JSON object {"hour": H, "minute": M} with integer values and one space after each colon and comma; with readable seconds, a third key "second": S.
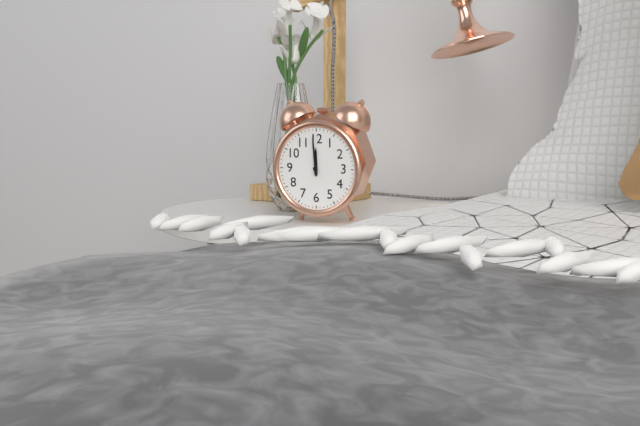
{"hour": 11, "minute": 59}
